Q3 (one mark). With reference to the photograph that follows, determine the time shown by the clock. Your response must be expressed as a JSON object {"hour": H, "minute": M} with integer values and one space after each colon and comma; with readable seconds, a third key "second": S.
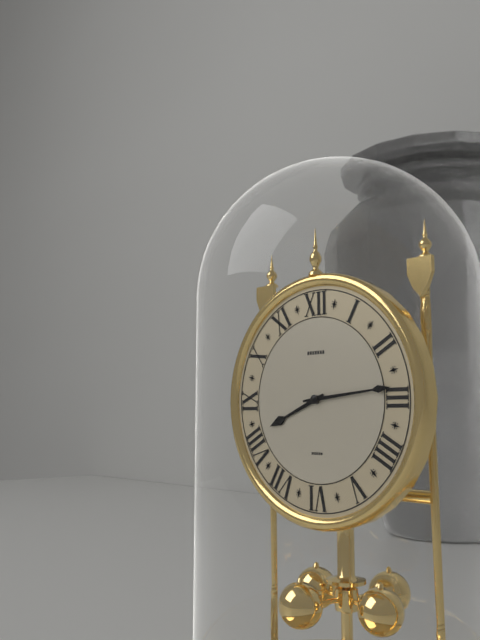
{"hour": 8, "minute": 14}
